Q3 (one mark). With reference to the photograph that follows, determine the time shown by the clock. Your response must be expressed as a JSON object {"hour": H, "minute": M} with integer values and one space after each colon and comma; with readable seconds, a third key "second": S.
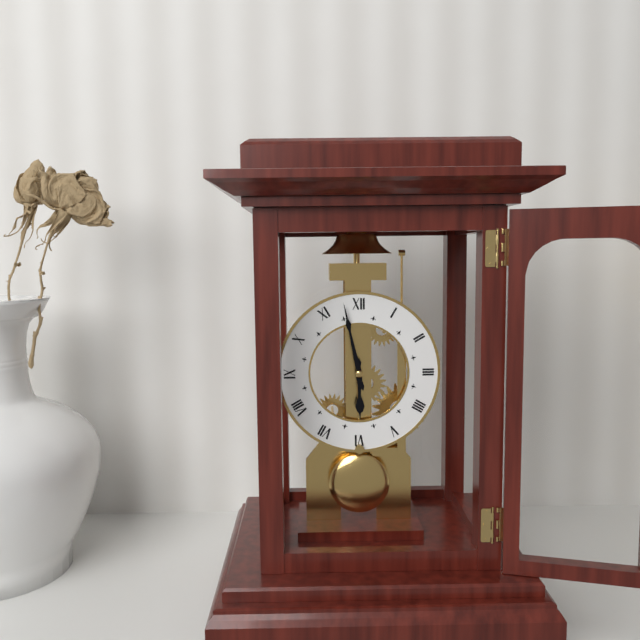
{"hour": 5, "minute": 58}
